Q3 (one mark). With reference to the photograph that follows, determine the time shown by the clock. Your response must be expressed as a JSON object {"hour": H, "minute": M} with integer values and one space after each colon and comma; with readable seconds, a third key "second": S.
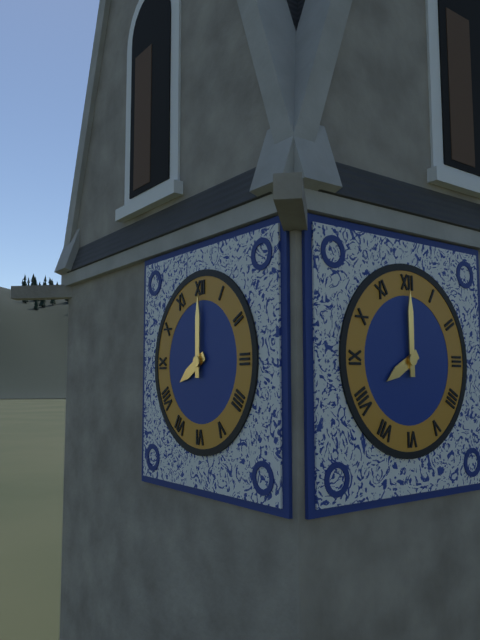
{"hour": 8, "minute": 0}
